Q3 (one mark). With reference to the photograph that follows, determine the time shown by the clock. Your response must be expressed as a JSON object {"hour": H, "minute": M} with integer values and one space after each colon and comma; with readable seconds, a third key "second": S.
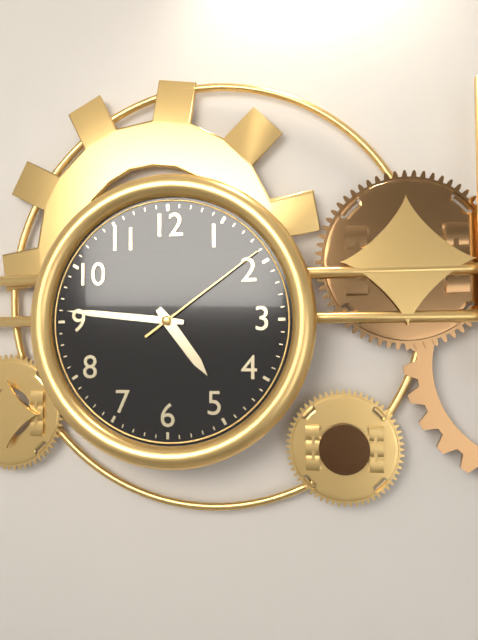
{"hour": 4, "minute": 46, "second": 9}
